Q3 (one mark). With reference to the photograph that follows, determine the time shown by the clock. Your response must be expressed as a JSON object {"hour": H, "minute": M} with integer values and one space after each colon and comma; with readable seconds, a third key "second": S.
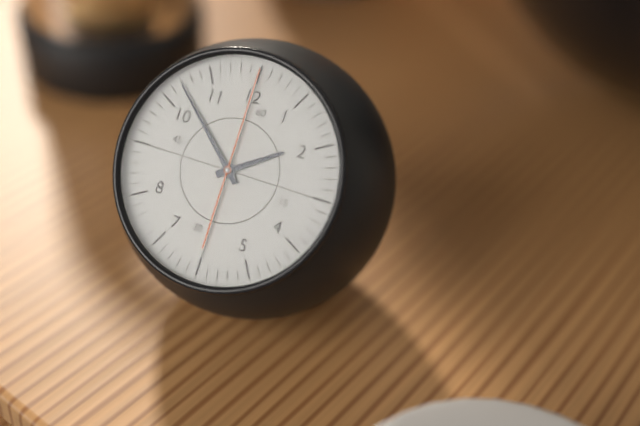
{"hour": 1, "minute": 52, "second": 0}
